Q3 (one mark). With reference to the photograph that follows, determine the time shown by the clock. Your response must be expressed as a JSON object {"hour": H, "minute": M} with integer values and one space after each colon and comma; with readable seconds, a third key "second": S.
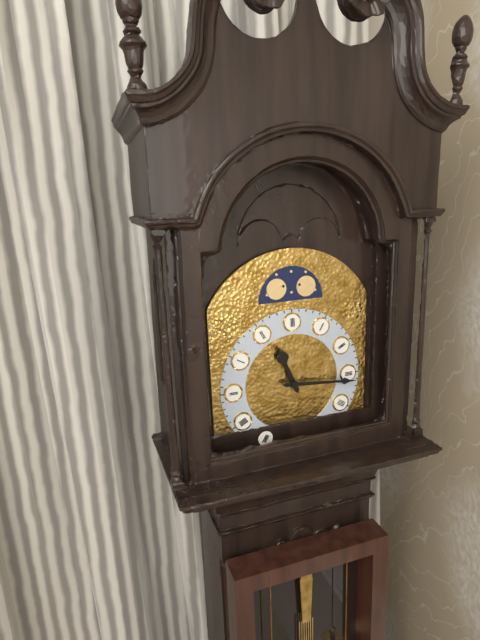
{"hour": 11, "minute": 16}
